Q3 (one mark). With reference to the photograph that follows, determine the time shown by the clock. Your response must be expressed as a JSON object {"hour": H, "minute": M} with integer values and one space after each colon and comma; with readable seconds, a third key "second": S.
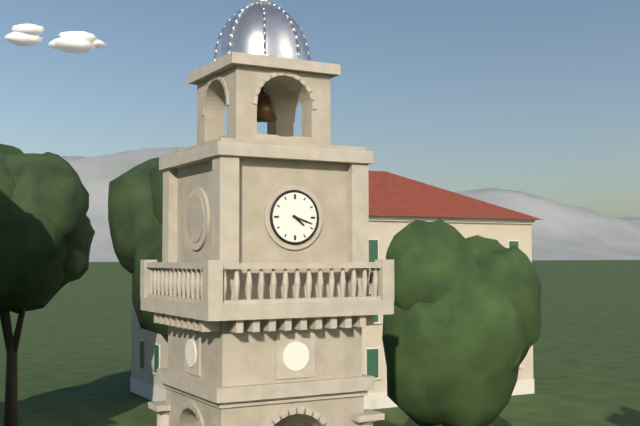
{"hour": 4, "minute": 18}
